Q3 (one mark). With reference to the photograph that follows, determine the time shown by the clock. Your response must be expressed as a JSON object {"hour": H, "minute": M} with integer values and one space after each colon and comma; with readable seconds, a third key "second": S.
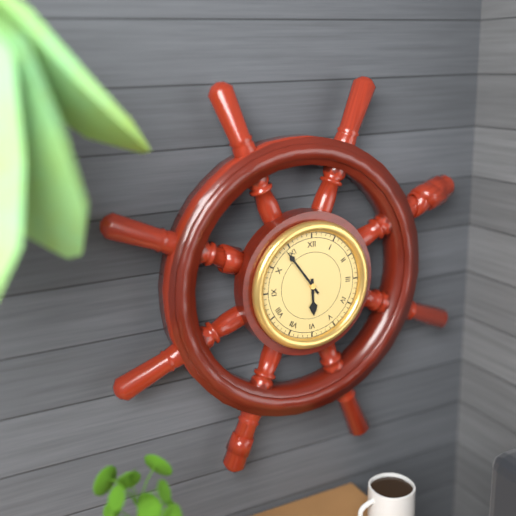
{"hour": 5, "minute": 54}
